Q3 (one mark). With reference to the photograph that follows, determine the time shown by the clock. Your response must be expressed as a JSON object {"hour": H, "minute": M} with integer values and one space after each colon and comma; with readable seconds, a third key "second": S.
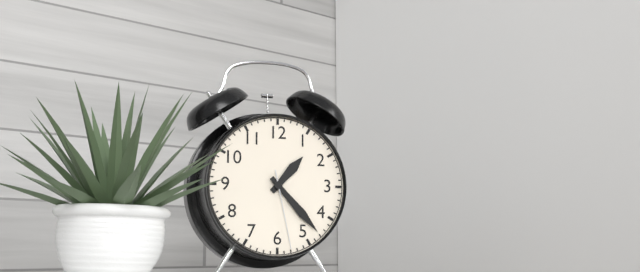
{"hour": 1, "minute": 23, "second": 28}
